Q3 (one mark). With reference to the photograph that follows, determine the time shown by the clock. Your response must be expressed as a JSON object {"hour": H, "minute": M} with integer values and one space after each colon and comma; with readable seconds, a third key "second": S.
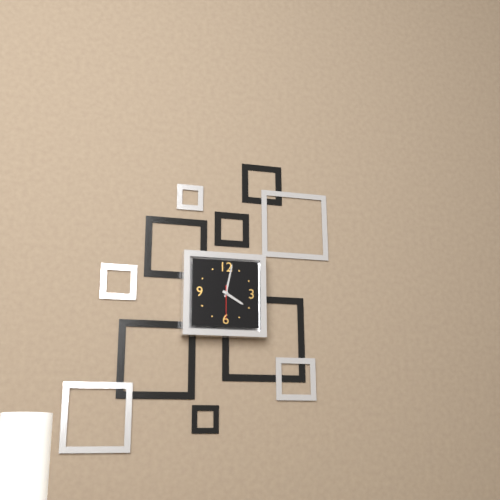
{"hour": 4, "minute": 2}
